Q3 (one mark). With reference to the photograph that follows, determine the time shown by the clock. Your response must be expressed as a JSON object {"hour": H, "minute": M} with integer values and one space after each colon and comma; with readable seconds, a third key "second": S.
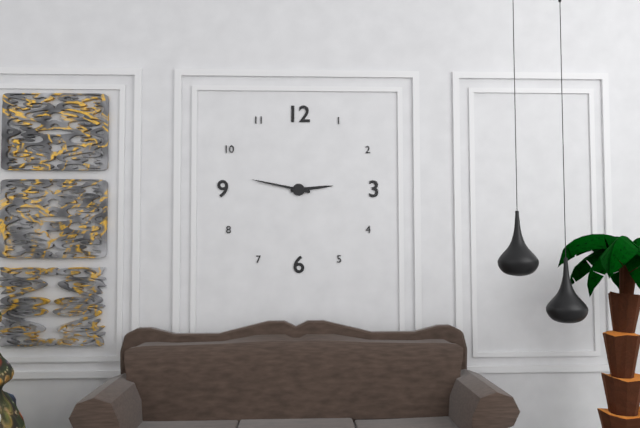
{"hour": 2, "minute": 47}
